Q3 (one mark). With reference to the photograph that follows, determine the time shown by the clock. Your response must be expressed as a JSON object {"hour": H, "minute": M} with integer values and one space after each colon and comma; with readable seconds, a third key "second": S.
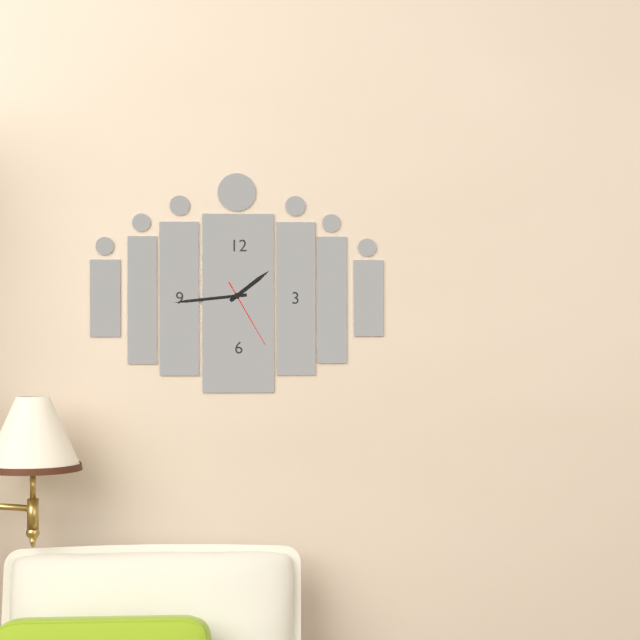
{"hour": 1, "minute": 44, "second": 25}
